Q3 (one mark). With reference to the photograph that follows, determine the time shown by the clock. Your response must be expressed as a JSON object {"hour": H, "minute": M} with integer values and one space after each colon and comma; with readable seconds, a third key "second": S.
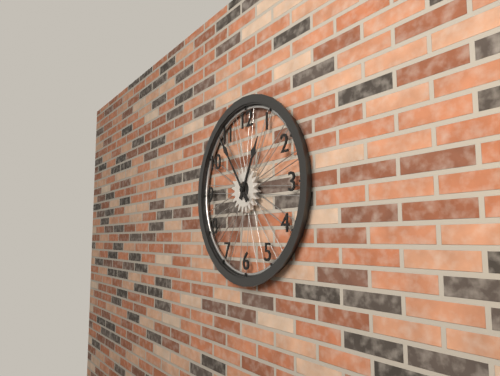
{"hour": 12, "minute": 54}
